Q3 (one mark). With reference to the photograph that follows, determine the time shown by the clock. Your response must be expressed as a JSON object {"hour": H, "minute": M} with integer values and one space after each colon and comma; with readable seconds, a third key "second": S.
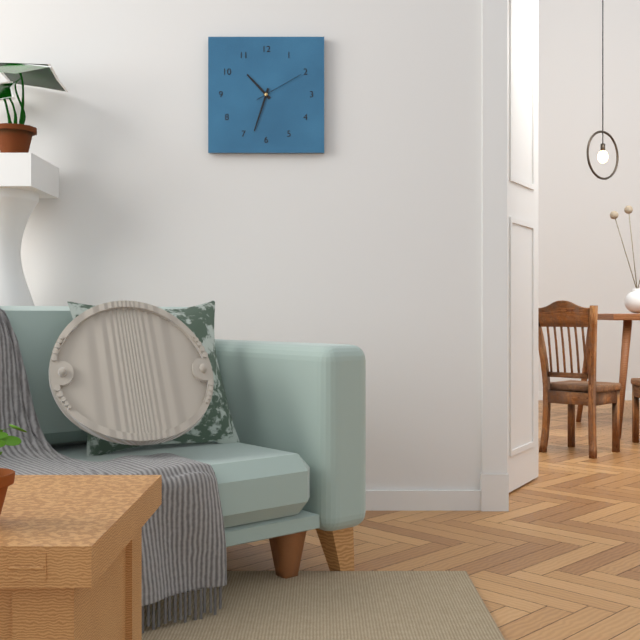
{"hour": 10, "minute": 33, "second": 10}
